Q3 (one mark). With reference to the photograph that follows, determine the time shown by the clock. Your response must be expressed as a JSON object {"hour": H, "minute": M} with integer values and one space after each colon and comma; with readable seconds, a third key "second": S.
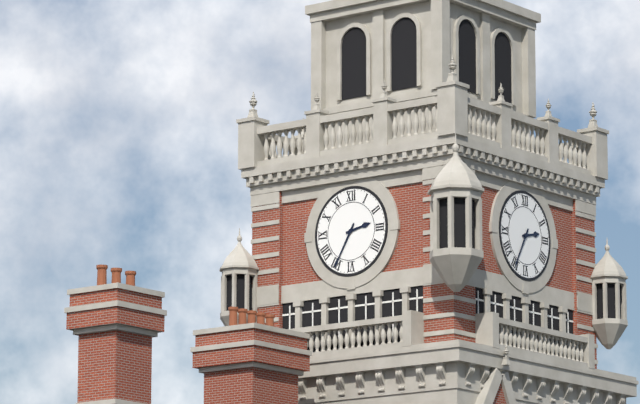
{"hour": 2, "minute": 35}
